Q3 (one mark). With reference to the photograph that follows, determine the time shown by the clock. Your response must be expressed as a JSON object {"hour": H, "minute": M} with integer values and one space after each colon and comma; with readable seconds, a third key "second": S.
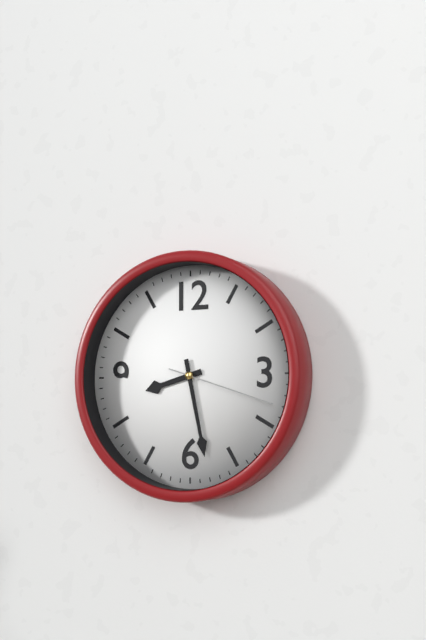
{"hour": 8, "minute": 28, "second": 18}
